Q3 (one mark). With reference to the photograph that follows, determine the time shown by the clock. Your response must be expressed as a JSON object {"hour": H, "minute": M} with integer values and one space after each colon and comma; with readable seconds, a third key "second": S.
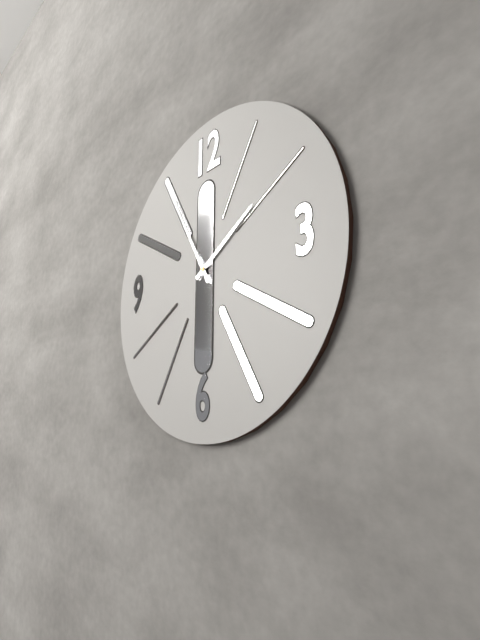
{"hour": 1, "minute": 55}
